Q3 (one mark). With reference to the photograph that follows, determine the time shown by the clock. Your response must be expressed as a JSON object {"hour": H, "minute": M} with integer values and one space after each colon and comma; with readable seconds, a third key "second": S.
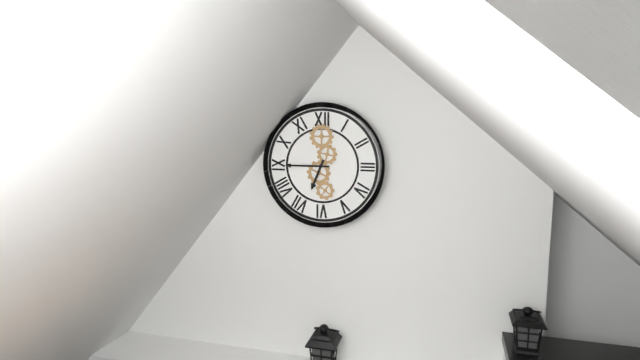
{"hour": 6, "minute": 45}
